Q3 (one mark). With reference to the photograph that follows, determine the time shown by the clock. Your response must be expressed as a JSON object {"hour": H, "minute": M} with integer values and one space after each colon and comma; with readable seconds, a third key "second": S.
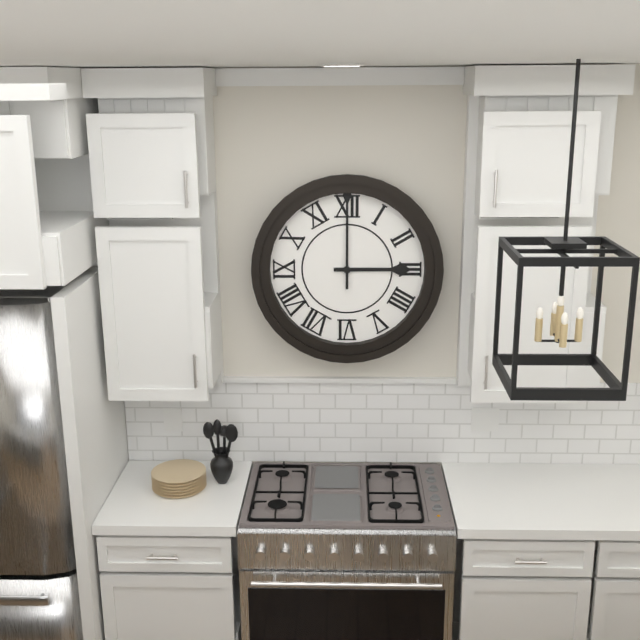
{"hour": 3, "minute": 0}
